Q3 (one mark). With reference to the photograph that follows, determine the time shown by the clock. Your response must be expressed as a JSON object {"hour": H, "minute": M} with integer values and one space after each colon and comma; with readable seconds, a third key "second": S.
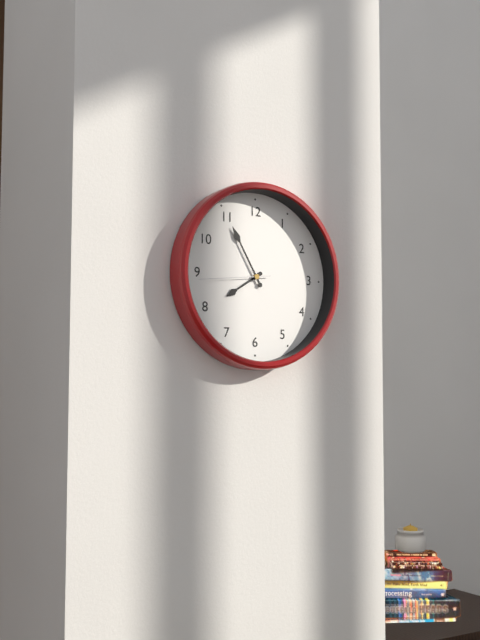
{"hour": 7, "minute": 55, "second": 44}
